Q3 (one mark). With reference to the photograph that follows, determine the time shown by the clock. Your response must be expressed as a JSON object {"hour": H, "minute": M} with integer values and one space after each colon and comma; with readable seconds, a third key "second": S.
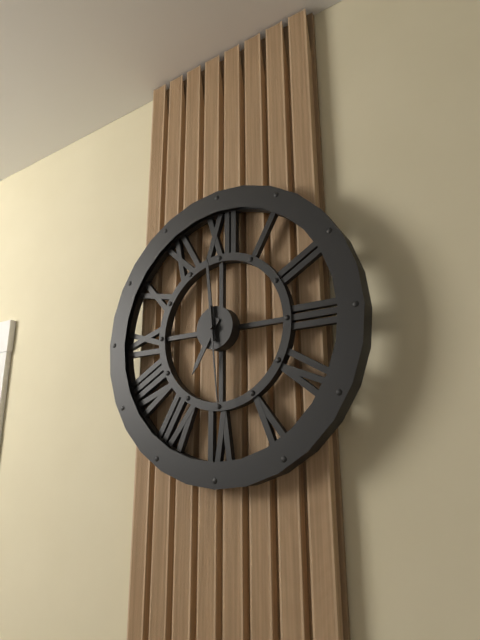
{"hour": 6, "minute": 59, "second": 29}
